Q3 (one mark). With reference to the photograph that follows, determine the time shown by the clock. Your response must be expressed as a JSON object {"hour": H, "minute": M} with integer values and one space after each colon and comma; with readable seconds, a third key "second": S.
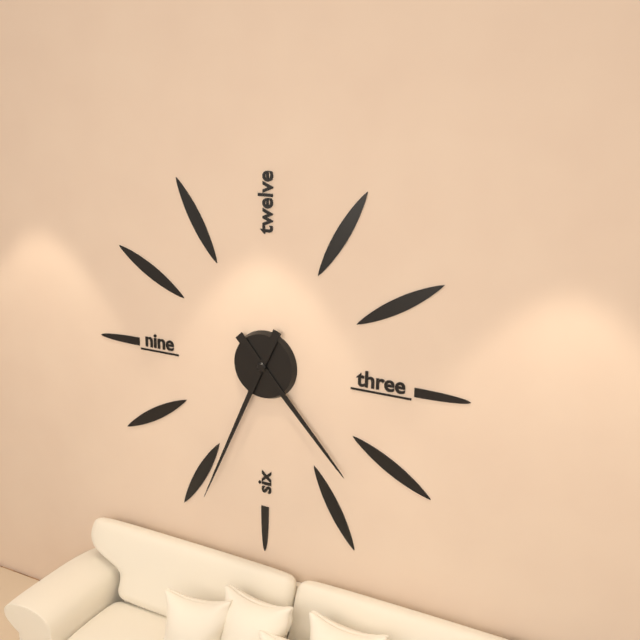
{"hour": 4, "minute": 34}
